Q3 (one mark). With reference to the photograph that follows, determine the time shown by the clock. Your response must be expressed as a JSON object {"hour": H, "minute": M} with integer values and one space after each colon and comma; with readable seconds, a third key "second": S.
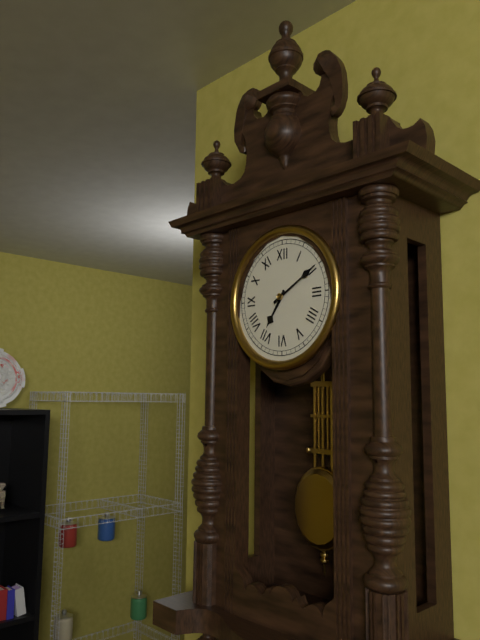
{"hour": 7, "minute": 10}
